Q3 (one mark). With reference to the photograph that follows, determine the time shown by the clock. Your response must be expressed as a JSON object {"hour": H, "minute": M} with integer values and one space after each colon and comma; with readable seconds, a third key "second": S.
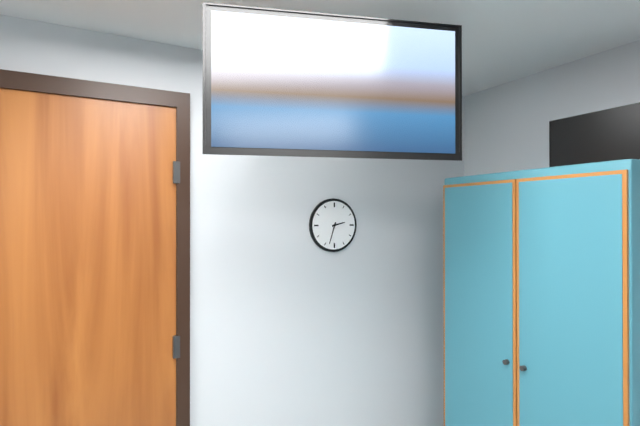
{"hour": 2, "minute": 33}
